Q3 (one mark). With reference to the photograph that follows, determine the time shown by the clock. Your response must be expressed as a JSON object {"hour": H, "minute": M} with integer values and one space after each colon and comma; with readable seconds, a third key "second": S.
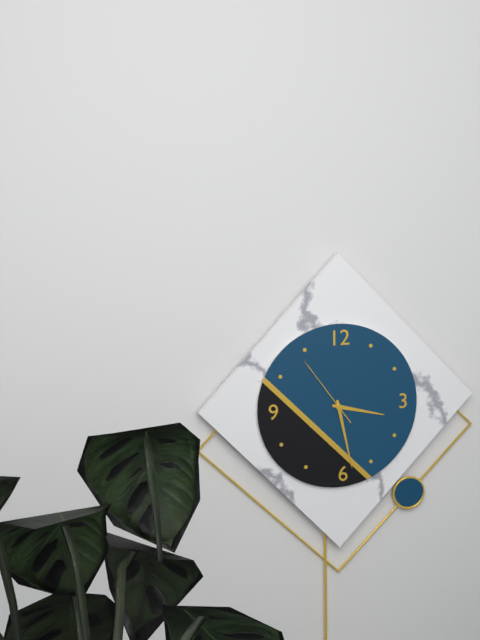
{"hour": 3, "minute": 28, "second": 54}
